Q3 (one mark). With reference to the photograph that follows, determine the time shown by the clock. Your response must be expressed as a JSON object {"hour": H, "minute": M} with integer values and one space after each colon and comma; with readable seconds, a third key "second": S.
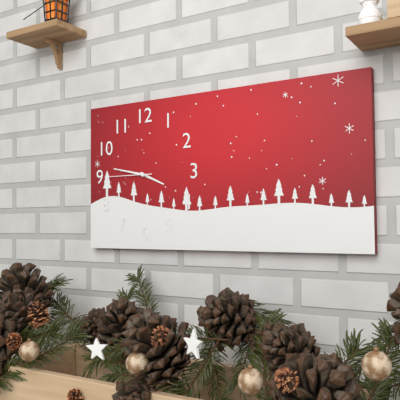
{"hour": 3, "minute": 47}
